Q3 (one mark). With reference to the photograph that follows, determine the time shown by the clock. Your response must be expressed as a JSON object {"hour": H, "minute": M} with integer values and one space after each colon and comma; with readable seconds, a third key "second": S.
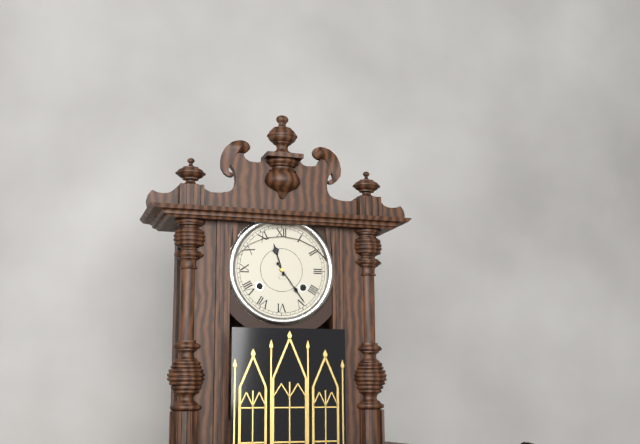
{"hour": 11, "minute": 24}
